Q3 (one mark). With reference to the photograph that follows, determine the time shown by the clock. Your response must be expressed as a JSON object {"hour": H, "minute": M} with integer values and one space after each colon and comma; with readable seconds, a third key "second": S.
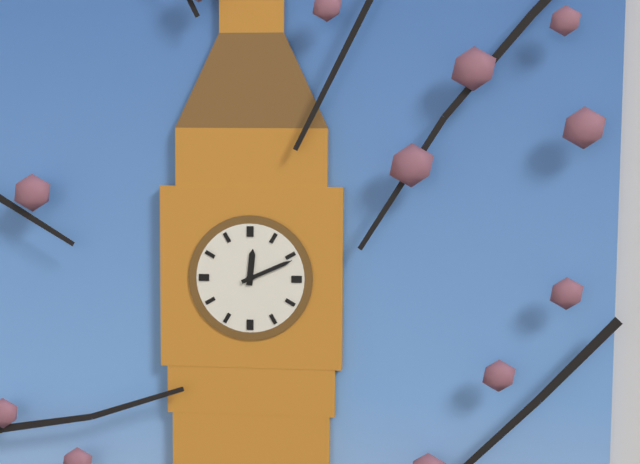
{"hour": 12, "minute": 11}
